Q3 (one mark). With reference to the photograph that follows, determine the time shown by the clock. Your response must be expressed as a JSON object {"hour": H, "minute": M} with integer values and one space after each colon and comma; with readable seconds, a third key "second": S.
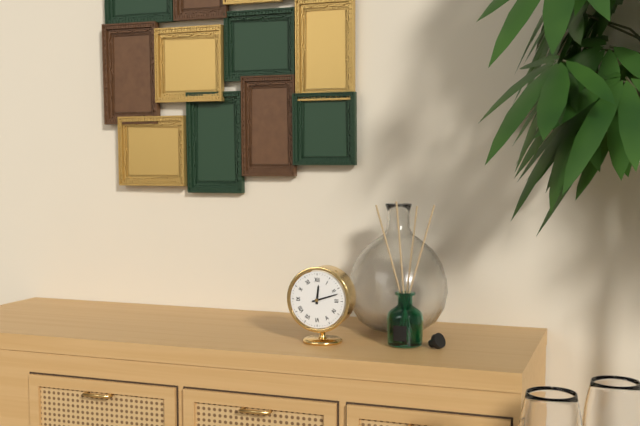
{"hour": 12, "minute": 12}
